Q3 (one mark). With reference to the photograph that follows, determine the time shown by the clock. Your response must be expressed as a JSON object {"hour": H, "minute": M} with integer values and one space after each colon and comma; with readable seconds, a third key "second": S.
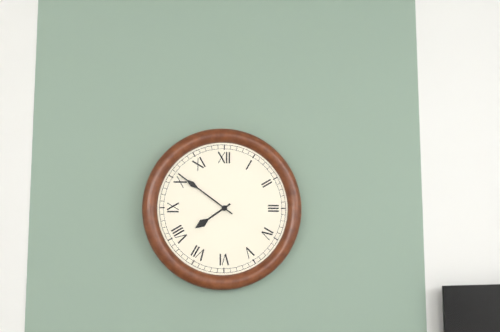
{"hour": 7, "minute": 51}
